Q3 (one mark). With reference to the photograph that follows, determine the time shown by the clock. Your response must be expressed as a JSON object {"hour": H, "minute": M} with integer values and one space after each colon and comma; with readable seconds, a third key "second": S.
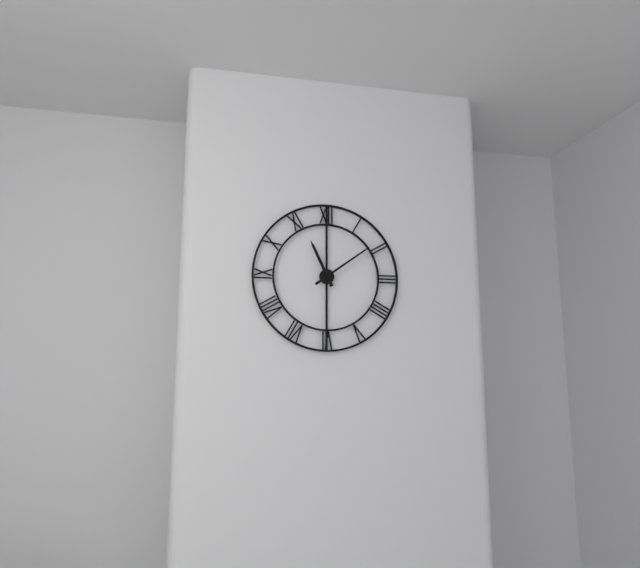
{"hour": 11, "minute": 9}
